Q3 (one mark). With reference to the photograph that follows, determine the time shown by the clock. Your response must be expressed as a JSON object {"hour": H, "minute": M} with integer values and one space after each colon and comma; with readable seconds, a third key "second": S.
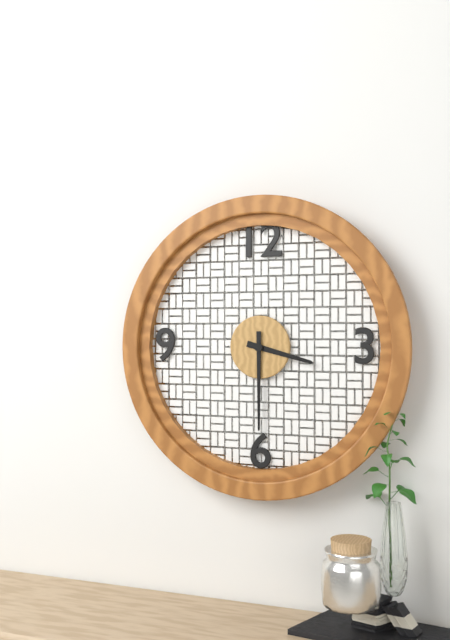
{"hour": 3, "minute": 30}
